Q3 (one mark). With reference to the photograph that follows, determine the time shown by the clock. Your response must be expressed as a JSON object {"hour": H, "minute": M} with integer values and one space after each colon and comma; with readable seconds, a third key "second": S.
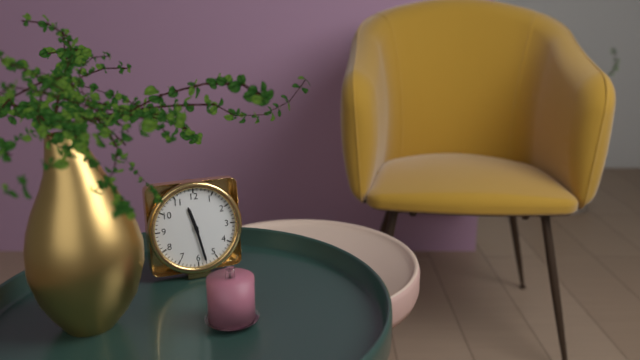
{"hour": 11, "minute": 28}
